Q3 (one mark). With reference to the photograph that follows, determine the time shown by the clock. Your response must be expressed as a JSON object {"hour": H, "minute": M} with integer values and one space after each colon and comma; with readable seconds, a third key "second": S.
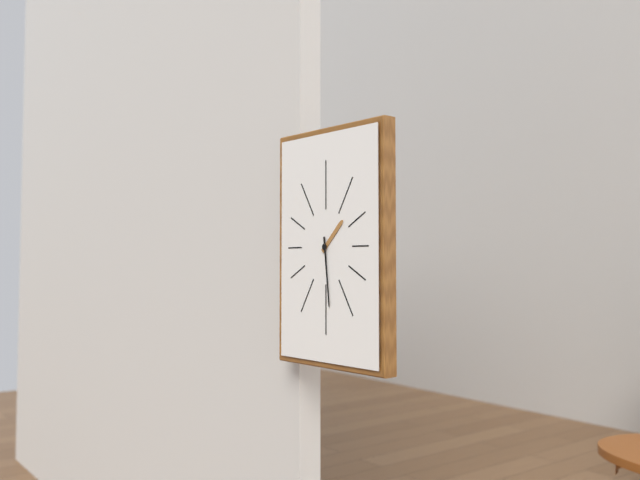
{"hour": 1, "minute": 29}
